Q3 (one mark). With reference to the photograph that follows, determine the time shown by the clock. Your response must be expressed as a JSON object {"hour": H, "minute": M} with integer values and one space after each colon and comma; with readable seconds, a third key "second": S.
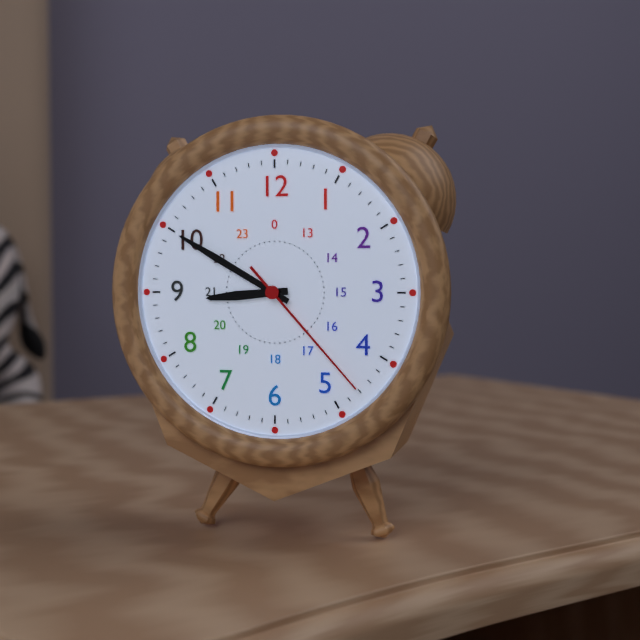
{"hour": 8, "minute": 50, "second": 23}
